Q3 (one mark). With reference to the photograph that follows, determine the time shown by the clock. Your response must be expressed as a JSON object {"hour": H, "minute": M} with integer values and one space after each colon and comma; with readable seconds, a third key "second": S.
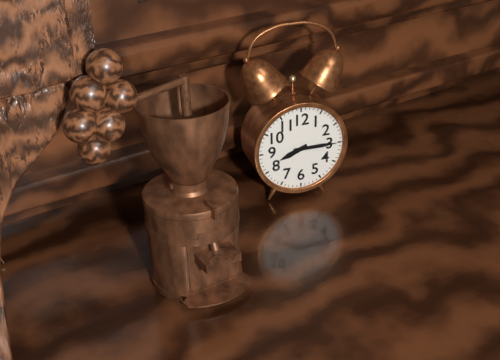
{"hour": 8, "minute": 15}
